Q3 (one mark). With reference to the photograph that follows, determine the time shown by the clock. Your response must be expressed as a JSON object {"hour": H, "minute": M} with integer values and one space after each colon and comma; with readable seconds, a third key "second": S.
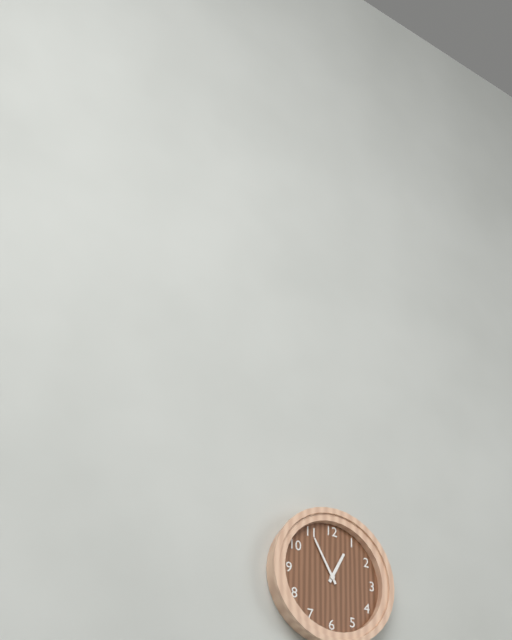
{"hour": 12, "minute": 55}
